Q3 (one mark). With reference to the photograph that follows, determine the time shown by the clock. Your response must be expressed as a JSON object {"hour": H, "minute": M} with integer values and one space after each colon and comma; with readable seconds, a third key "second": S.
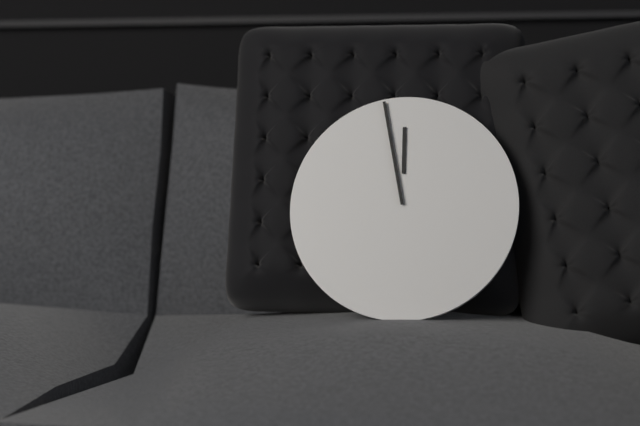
{"hour": 11, "minute": 58}
